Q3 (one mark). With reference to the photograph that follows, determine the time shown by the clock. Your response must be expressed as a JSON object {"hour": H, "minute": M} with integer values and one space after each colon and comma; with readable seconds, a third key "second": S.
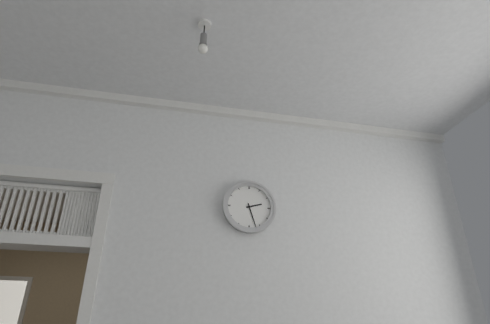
{"hour": 2, "minute": 27}
